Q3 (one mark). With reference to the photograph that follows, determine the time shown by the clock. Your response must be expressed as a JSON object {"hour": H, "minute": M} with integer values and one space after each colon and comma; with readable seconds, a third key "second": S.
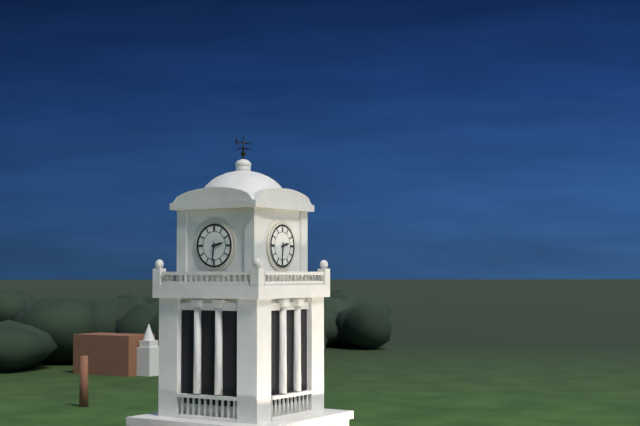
{"hour": 2, "minute": 31}
